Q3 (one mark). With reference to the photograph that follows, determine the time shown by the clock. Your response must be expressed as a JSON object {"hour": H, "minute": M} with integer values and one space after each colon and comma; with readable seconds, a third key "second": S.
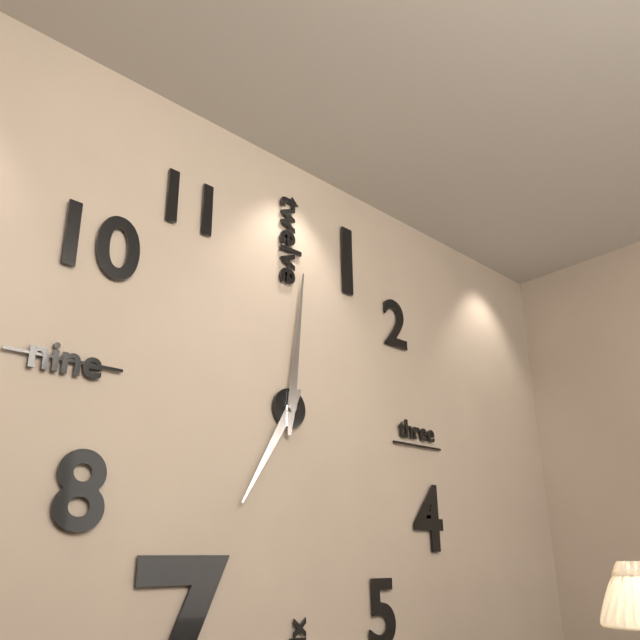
{"hour": 7, "minute": 1}
